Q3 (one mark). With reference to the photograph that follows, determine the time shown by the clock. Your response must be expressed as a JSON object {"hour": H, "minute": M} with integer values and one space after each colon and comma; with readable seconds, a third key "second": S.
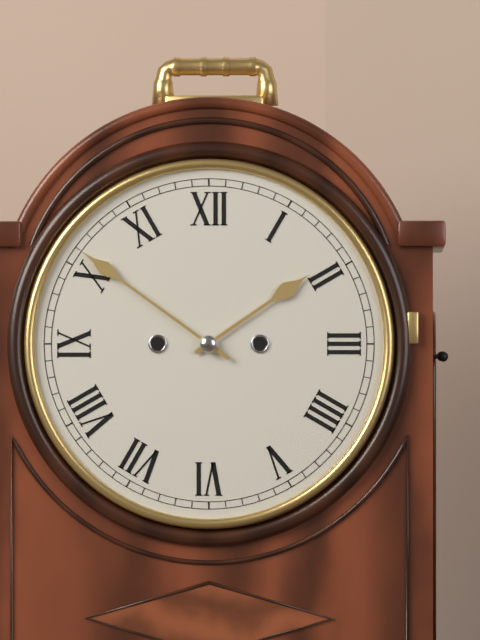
{"hour": 1, "minute": 51}
